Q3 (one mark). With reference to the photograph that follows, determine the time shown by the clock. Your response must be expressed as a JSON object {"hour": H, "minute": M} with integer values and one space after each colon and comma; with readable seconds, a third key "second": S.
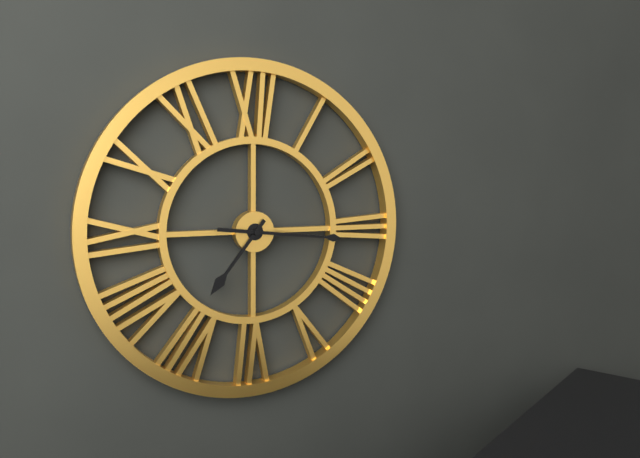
{"hour": 7, "minute": 16}
